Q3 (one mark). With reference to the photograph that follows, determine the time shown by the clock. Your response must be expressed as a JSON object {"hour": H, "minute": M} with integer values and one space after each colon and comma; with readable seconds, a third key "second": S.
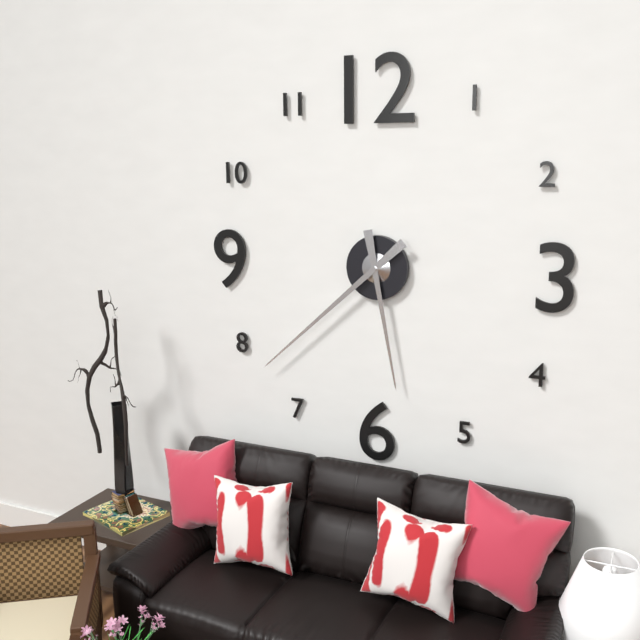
{"hour": 5, "minute": 38}
